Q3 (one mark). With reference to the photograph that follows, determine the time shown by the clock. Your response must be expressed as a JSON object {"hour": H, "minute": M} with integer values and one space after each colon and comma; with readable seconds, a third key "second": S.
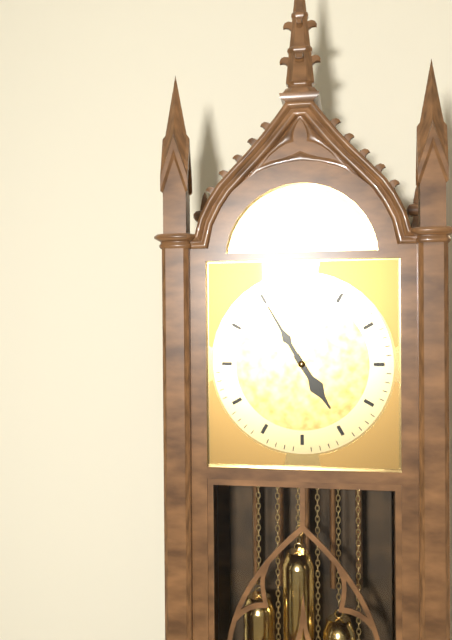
{"hour": 4, "minute": 55}
